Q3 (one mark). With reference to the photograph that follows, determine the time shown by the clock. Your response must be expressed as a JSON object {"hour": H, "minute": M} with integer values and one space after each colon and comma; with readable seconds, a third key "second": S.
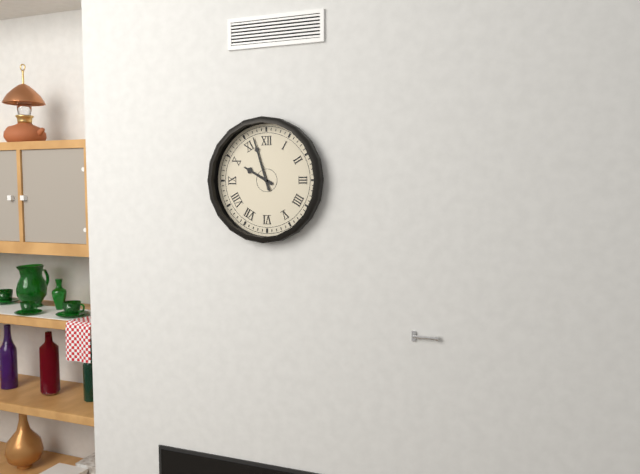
{"hour": 9, "minute": 57}
